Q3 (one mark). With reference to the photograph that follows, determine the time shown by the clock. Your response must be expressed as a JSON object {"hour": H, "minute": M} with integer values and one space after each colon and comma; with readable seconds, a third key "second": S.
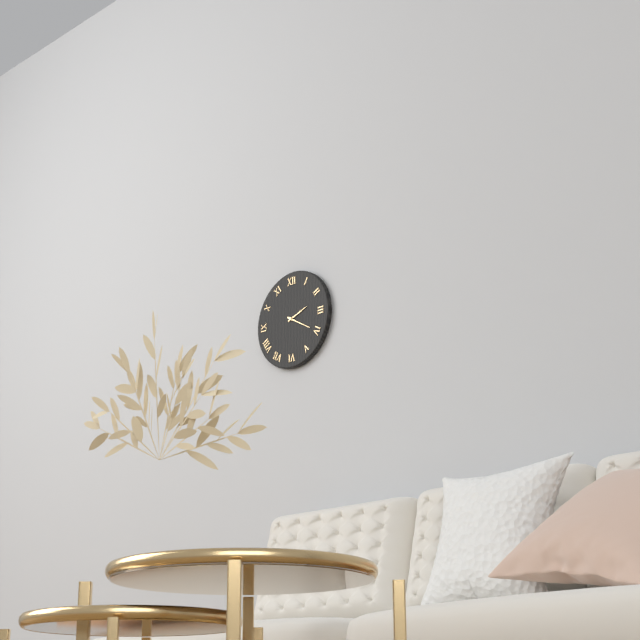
{"hour": 2, "minute": 20}
